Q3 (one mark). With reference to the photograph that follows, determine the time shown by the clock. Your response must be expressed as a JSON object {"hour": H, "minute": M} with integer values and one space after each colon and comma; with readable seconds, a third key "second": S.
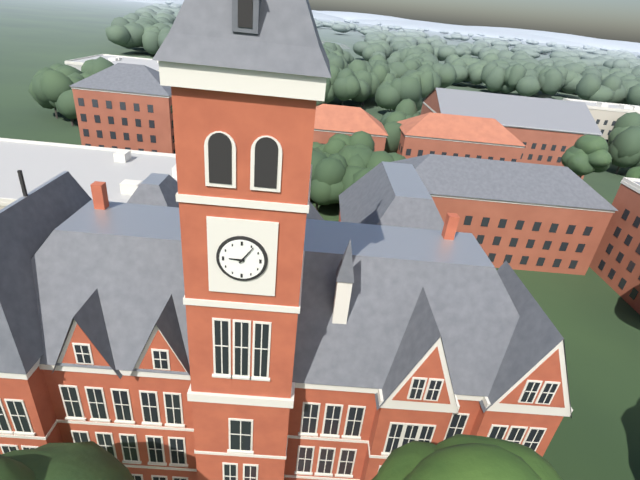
{"hour": 9, "minute": 6}
